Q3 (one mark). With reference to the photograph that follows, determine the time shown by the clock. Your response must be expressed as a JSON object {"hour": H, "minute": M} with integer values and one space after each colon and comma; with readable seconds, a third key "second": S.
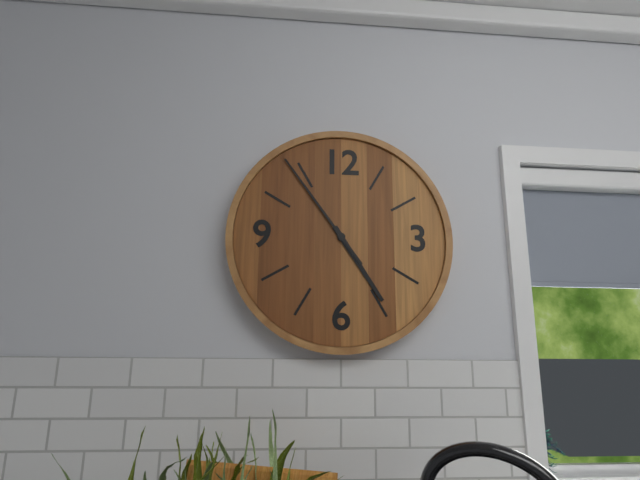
{"hour": 4, "minute": 54}
